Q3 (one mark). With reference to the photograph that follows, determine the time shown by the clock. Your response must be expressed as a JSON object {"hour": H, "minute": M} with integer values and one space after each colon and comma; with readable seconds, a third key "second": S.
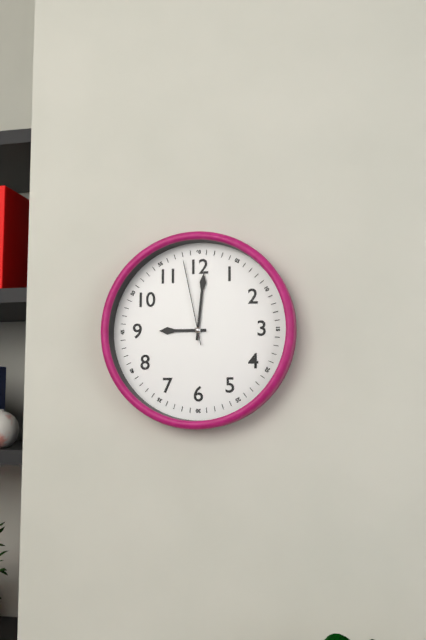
{"hour": 9, "minute": 1, "second": 58}
